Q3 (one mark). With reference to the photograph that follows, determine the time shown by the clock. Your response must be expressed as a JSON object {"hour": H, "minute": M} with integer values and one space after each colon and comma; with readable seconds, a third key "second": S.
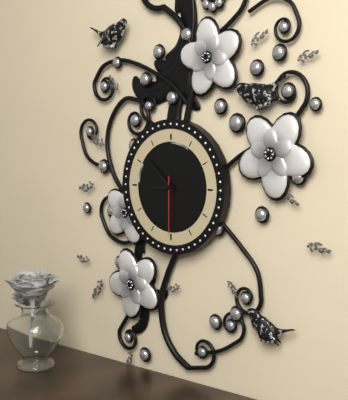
{"hour": 8, "minute": 52, "second": 30}
